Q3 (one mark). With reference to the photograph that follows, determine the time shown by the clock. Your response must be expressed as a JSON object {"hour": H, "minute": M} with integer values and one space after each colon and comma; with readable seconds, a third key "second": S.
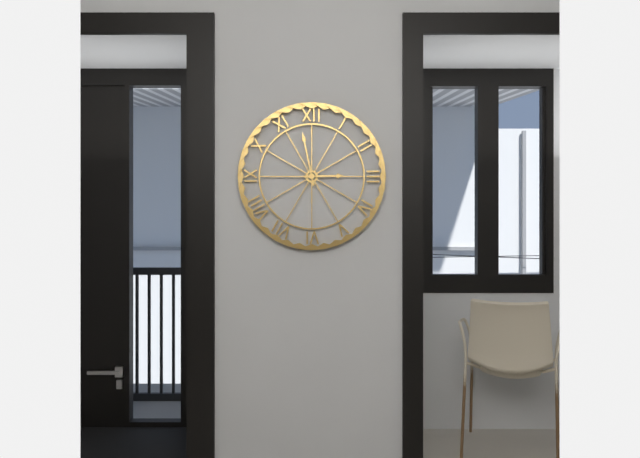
{"hour": 2, "minute": 58}
